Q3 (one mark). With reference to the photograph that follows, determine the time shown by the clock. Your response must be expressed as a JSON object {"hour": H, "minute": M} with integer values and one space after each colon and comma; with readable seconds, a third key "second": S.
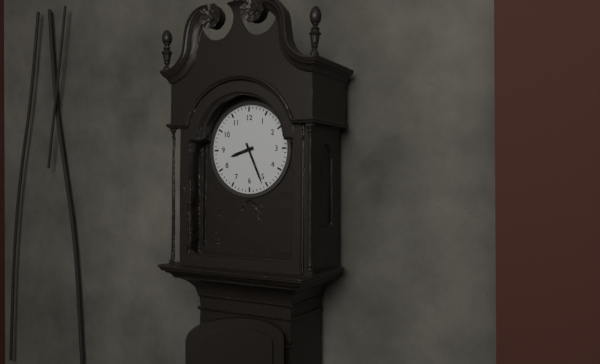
{"hour": 8, "minute": 26}
